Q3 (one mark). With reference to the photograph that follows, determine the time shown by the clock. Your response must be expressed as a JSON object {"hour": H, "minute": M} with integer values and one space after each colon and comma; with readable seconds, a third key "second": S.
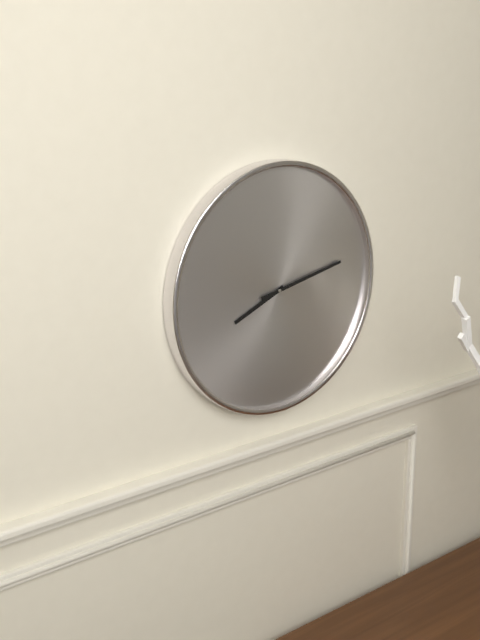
{"hour": 8, "minute": 13}
